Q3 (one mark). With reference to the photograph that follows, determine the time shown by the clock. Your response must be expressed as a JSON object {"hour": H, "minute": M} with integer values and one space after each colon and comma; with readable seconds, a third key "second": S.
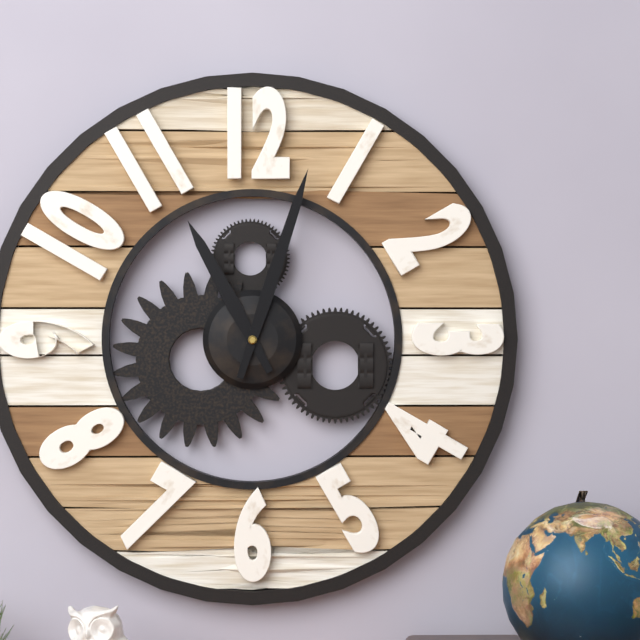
{"hour": 11, "minute": 3}
